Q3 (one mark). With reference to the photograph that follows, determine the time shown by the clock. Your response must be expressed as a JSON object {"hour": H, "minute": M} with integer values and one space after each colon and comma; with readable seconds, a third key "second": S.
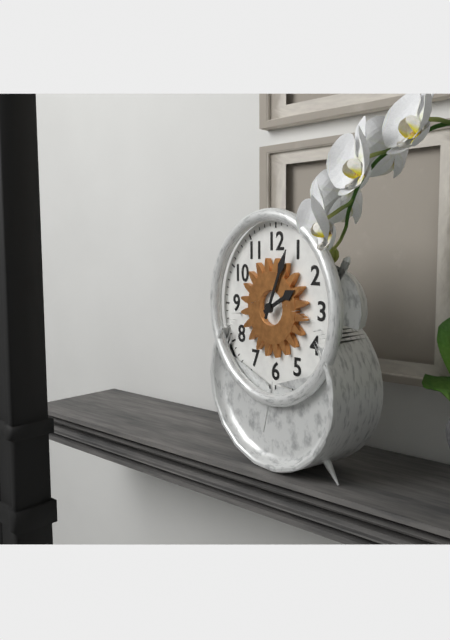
{"hour": 2, "minute": 4}
